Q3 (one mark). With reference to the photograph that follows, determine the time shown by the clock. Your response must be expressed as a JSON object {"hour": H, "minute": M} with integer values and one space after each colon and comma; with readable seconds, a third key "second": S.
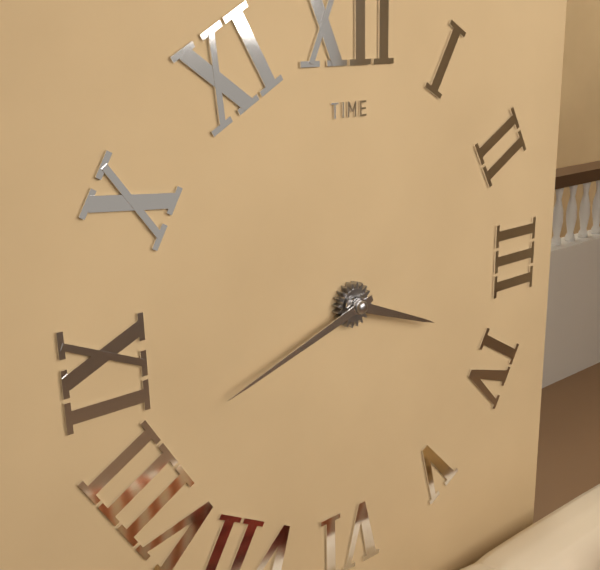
{"hour": 3, "minute": 42}
